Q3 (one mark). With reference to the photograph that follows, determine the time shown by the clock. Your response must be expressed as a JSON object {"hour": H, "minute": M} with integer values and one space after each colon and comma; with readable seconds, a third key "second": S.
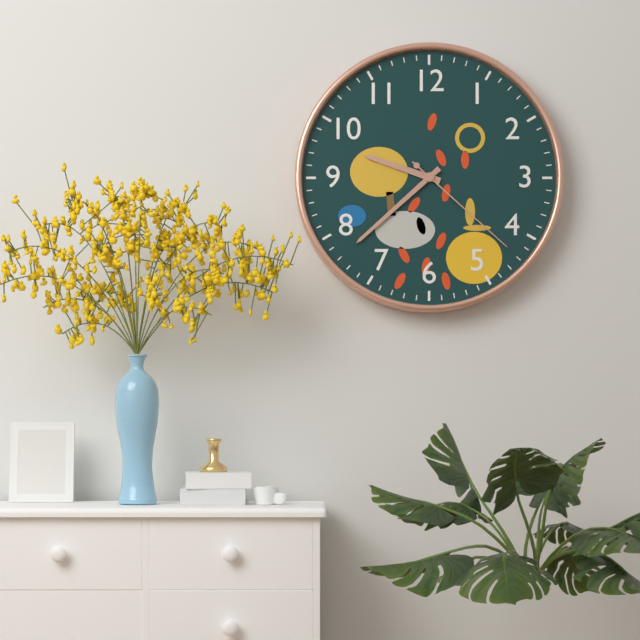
{"hour": 9, "minute": 38, "second": 22}
